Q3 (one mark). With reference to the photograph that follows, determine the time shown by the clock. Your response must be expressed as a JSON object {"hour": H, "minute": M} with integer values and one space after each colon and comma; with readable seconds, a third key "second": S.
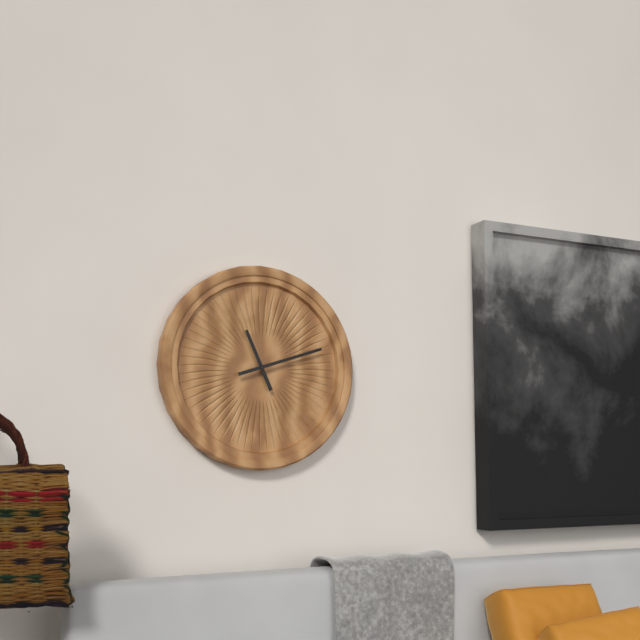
{"hour": 11, "minute": 12}
